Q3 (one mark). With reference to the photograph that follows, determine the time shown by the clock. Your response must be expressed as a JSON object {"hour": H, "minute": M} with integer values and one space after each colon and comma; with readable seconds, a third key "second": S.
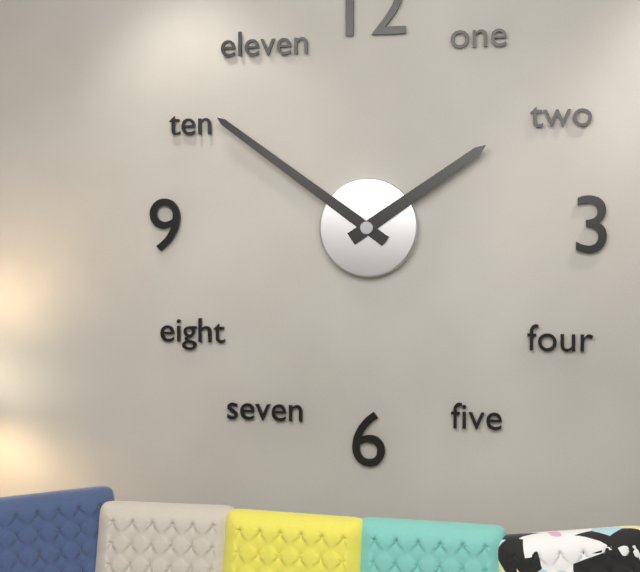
{"hour": 1, "minute": 51}
